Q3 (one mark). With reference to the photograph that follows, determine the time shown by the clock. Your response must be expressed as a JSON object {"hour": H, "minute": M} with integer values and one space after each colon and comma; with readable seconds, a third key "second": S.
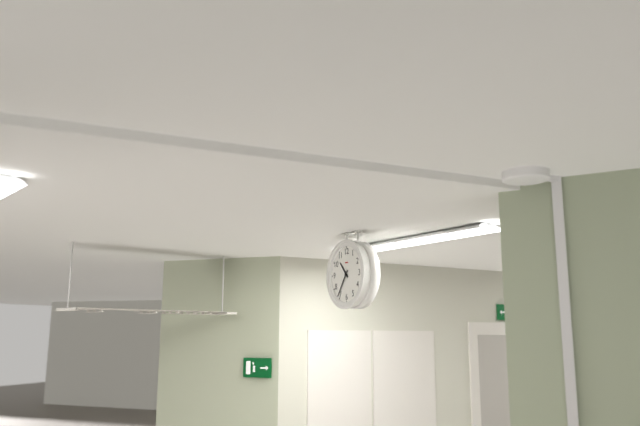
{"hour": 10, "minute": 36}
